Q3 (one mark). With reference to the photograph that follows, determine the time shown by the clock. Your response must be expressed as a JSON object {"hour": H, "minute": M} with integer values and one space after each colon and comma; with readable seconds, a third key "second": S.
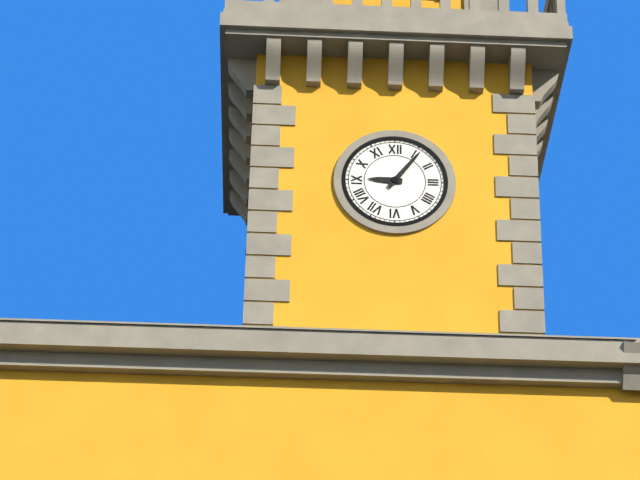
{"hour": 9, "minute": 6}
